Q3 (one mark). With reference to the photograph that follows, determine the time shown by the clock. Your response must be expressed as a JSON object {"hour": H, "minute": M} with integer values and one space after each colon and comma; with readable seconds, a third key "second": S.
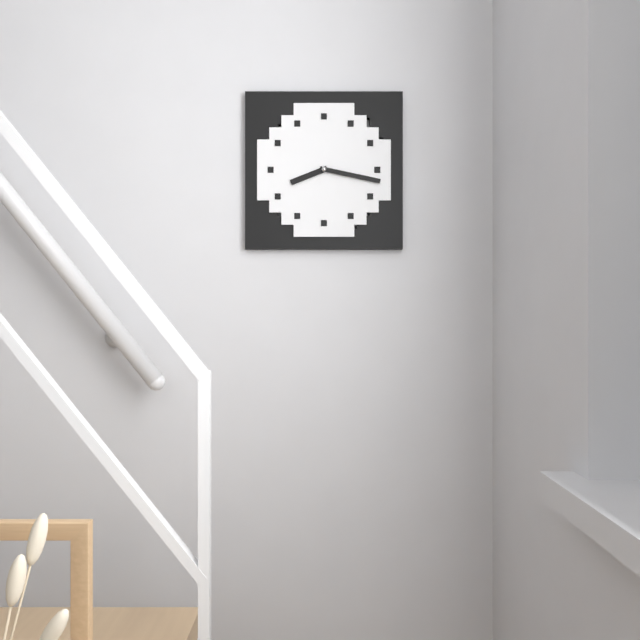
{"hour": 8, "minute": 17}
